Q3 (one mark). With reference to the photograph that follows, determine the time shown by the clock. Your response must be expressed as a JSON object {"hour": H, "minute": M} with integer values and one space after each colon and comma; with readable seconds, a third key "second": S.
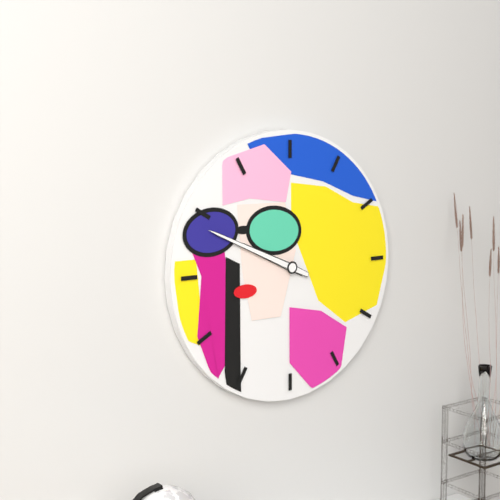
{"hour": 9, "minute": 49}
